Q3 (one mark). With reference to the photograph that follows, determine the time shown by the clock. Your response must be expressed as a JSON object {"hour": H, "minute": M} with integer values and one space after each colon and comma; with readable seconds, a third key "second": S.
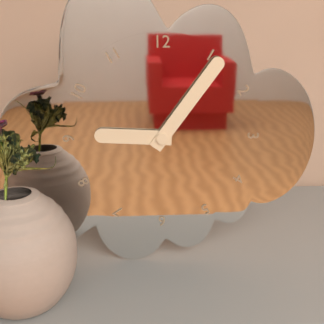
{"hour": 9, "minute": 6}
